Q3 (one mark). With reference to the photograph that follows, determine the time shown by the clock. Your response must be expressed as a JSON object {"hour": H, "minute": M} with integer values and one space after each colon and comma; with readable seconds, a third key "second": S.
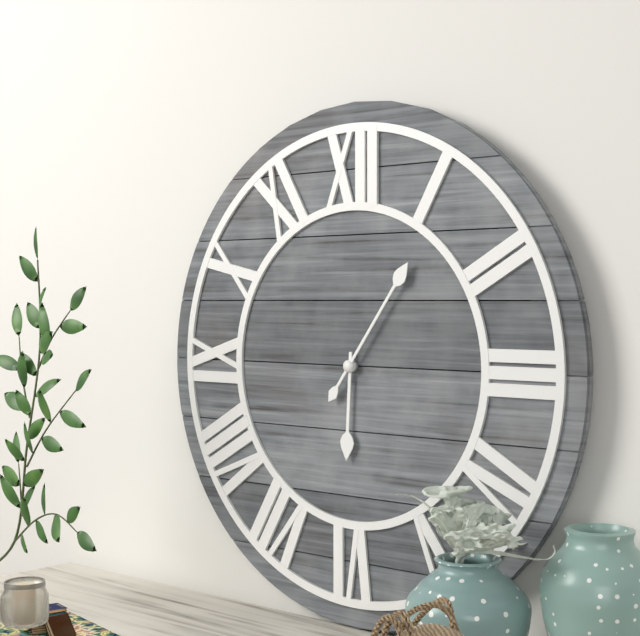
{"hour": 6, "minute": 6}
